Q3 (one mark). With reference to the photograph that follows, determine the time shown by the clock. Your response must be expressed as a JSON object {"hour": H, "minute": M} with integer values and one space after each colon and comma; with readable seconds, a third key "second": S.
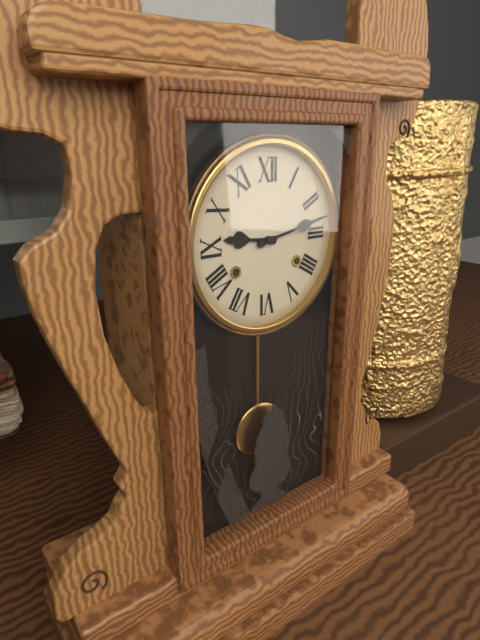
{"hour": 9, "minute": 13}
